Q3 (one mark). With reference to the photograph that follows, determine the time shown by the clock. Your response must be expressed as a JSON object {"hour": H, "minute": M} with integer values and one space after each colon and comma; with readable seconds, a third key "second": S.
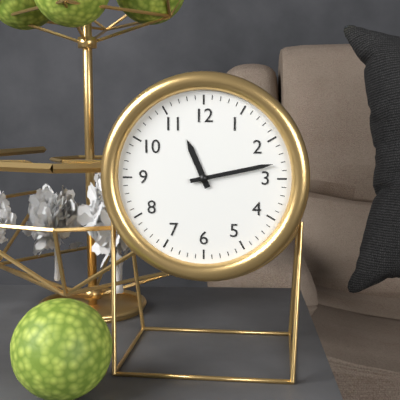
{"hour": 11, "minute": 13}
